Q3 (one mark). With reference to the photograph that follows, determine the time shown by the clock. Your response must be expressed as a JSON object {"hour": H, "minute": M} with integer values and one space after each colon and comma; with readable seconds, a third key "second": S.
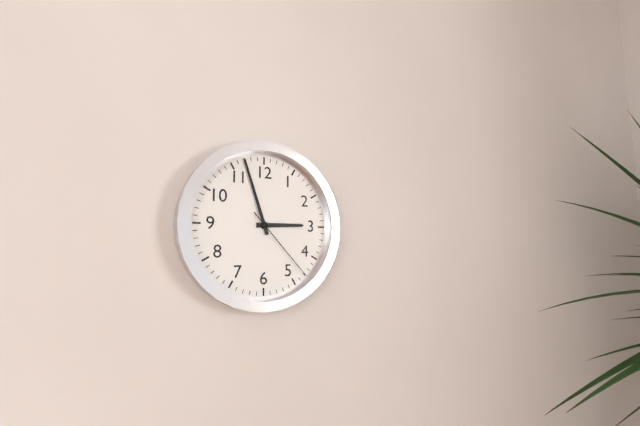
{"hour": 2, "minute": 57, "second": 23}
